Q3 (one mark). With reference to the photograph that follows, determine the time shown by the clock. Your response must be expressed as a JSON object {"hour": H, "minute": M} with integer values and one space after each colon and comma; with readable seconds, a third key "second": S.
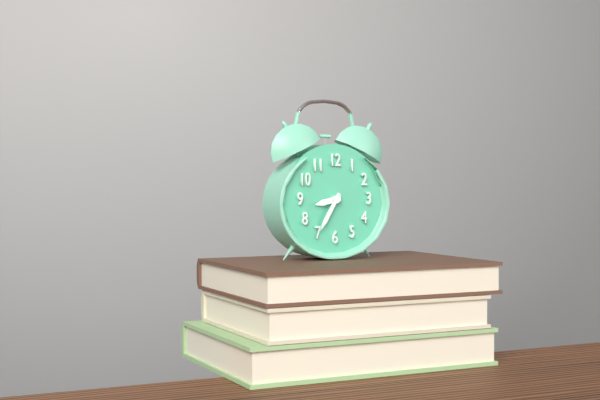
{"hour": 8, "minute": 35}
